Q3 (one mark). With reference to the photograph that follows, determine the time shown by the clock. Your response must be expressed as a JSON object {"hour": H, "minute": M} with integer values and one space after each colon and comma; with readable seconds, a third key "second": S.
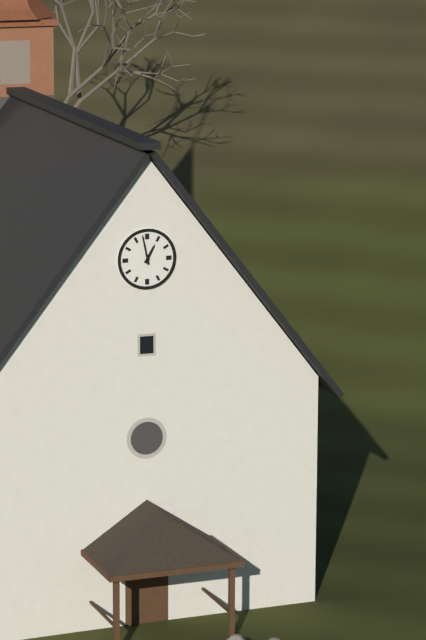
{"hour": 12, "minute": 58}
